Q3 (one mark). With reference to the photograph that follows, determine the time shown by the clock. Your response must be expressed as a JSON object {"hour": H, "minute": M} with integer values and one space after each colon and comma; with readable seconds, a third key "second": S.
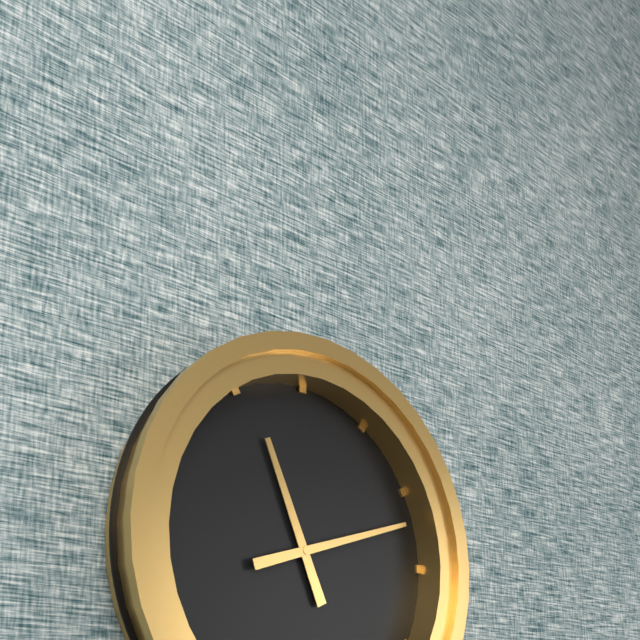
{"hour": 11, "minute": 12}
